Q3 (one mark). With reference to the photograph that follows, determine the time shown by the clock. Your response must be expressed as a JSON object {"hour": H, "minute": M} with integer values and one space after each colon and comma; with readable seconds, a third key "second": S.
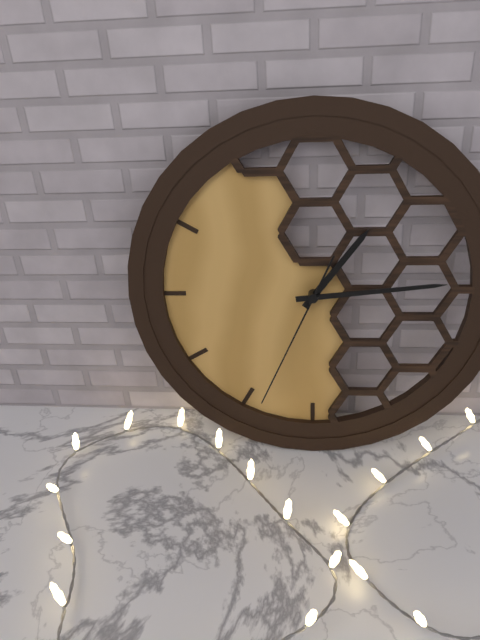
{"hour": 1, "minute": 14, "second": 34}
